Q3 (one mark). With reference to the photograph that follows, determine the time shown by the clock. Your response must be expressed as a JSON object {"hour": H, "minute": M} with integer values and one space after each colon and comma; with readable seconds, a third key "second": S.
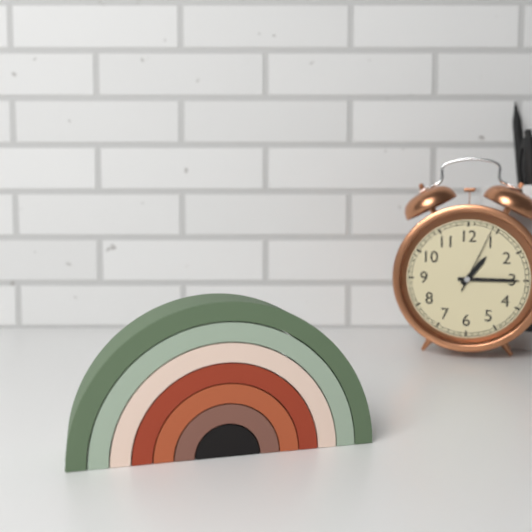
{"hour": 1, "minute": 15, "second": 4}
